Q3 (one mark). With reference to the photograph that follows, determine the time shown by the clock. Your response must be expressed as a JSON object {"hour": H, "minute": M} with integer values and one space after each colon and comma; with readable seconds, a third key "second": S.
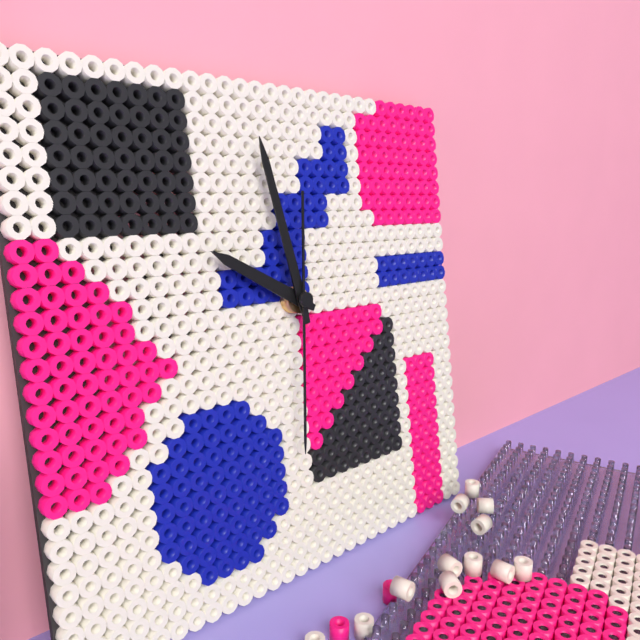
{"hour": 9, "minute": 58, "second": 31}
